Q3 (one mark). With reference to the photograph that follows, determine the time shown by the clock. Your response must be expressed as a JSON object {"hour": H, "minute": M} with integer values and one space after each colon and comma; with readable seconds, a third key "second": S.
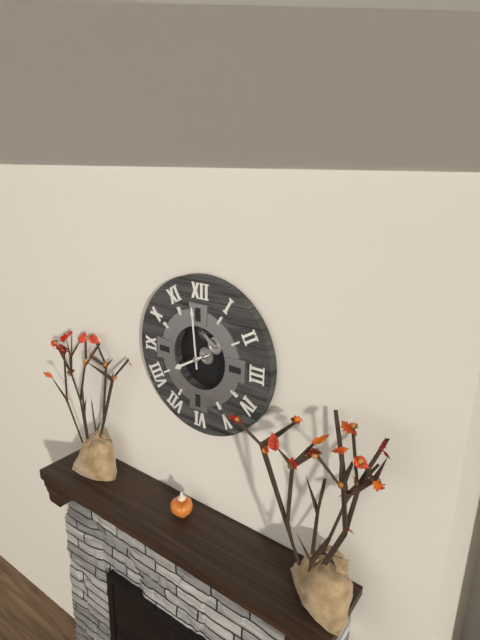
{"hour": 7, "minute": 59}
